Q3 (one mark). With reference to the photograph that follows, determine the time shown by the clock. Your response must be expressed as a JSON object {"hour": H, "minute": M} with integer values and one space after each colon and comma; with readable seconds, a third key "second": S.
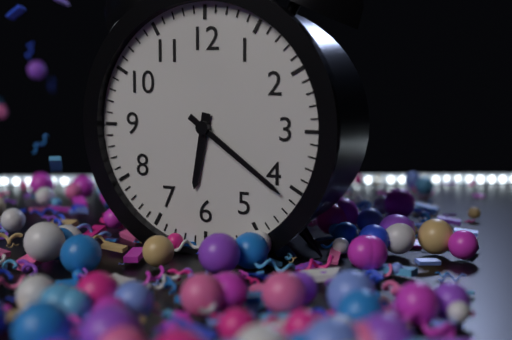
{"hour": 6, "minute": 21}
